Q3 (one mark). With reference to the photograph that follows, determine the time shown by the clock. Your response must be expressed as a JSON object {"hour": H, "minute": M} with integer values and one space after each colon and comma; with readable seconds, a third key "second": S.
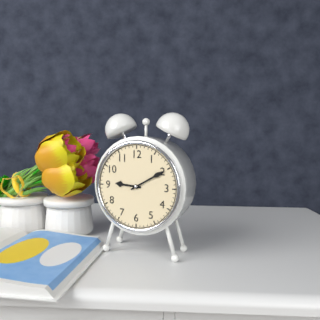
{"hour": 9, "minute": 10}
